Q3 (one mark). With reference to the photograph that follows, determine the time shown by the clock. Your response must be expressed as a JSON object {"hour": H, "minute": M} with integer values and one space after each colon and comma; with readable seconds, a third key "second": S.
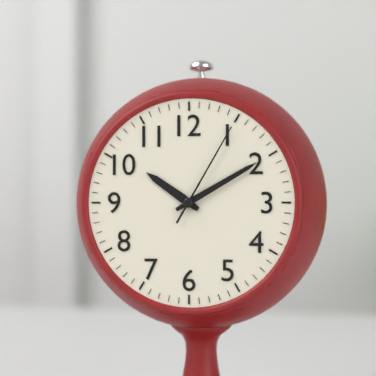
{"hour": 10, "minute": 10, "second": 5}
